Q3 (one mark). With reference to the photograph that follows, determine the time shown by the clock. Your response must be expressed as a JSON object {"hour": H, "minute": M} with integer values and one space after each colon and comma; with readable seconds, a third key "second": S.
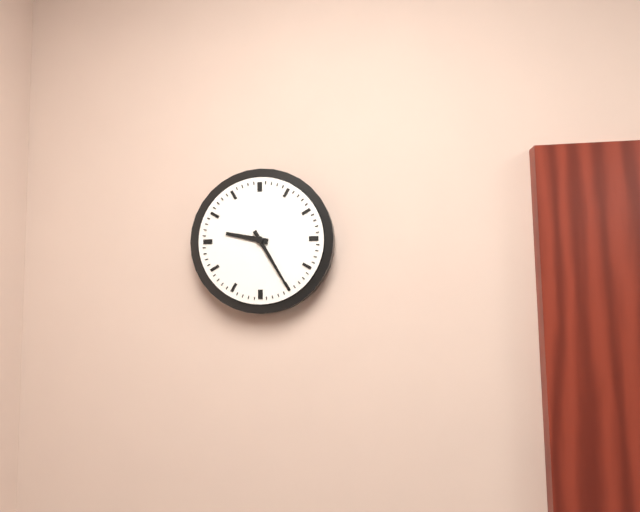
{"hour": 9, "minute": 25}
